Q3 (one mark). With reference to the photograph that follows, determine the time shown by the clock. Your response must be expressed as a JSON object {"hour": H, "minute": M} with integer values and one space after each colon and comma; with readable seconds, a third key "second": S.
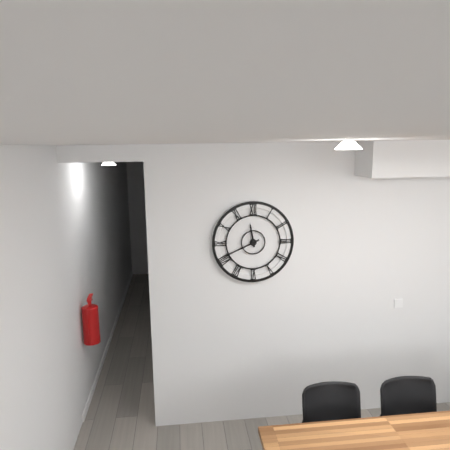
{"hour": 11, "minute": 41}
